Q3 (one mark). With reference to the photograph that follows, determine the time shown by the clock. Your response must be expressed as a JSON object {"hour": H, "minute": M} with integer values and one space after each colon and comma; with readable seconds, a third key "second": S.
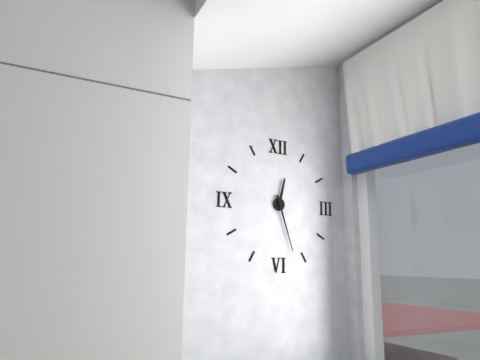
{"hour": 12, "minute": 27}
